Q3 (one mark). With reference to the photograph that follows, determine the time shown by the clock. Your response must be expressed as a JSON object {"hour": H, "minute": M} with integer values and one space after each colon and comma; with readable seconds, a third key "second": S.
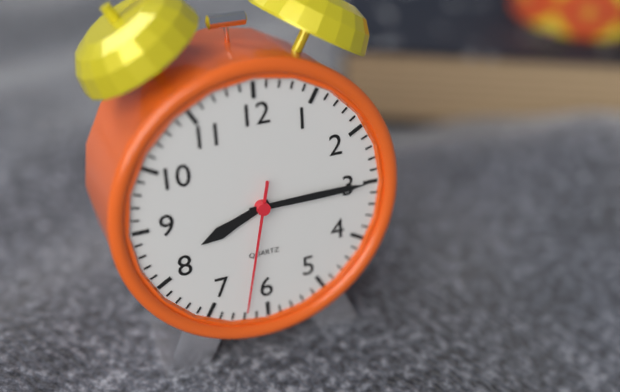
{"hour": 8, "minute": 15, "second": 32}
